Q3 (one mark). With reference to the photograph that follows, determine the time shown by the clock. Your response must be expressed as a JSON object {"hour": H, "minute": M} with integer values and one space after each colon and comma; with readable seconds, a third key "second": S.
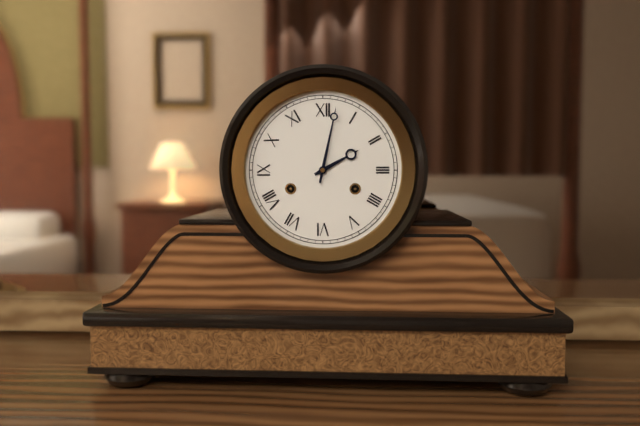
{"hour": 2, "minute": 2}
